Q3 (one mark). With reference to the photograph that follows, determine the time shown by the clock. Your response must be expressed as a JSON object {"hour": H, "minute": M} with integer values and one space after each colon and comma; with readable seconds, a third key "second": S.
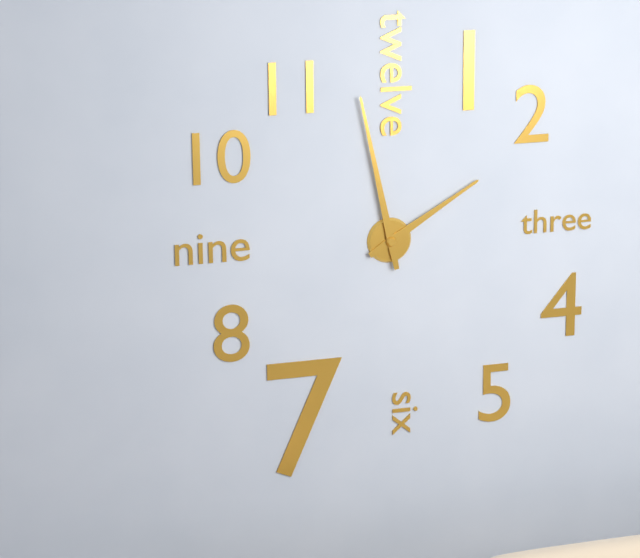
{"hour": 1, "minute": 58}
